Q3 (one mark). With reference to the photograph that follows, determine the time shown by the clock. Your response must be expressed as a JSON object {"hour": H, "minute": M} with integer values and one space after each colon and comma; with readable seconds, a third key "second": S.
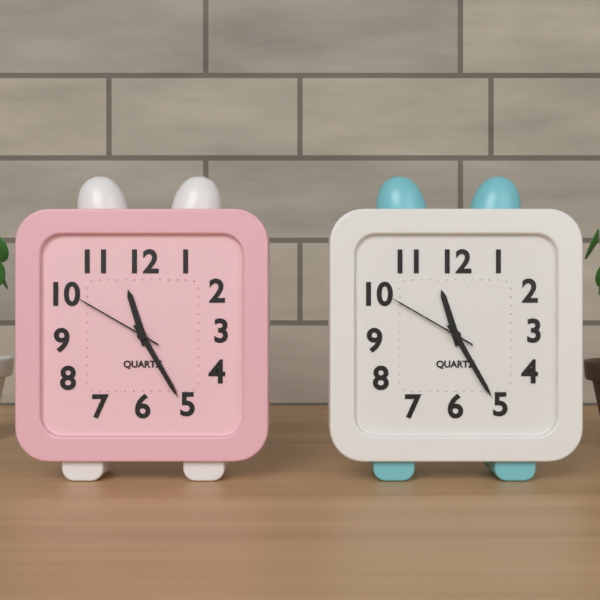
{"hour": 11, "minute": 25, "second": 50}
